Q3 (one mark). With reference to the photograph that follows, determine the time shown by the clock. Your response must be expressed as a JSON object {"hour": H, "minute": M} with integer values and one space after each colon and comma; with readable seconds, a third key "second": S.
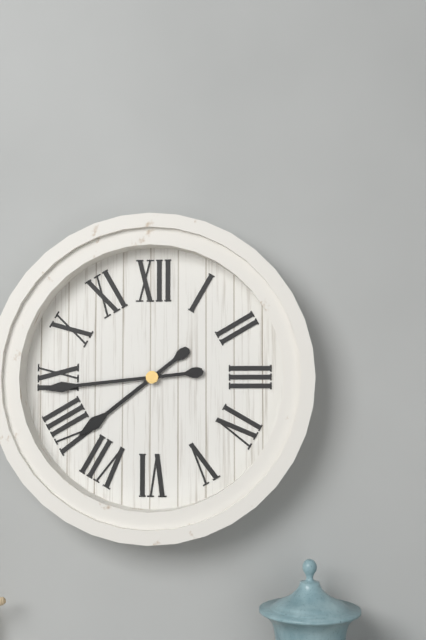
{"hour": 7, "minute": 44}
